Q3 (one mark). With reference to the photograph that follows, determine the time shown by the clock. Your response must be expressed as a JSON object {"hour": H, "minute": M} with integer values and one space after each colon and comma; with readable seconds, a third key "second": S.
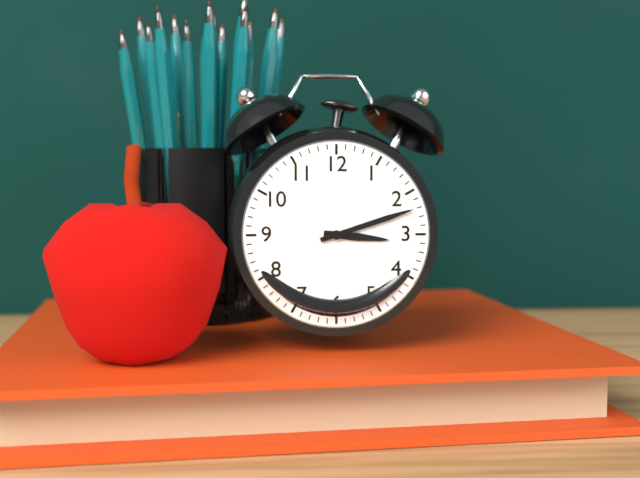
{"hour": 3, "minute": 12}
